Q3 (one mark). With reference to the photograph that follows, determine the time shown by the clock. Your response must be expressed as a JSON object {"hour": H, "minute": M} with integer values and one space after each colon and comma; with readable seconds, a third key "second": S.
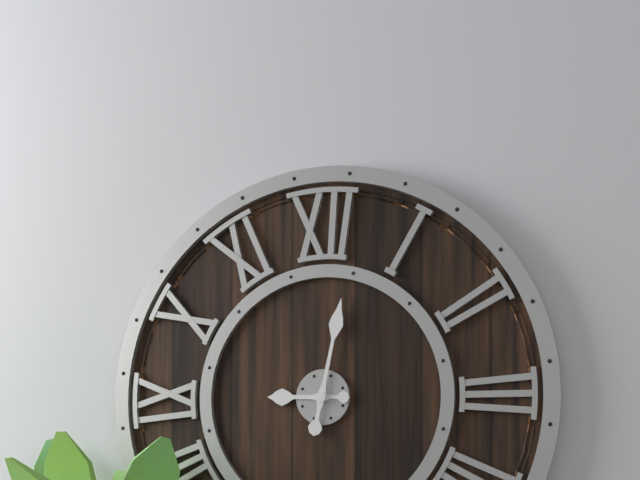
{"hour": 9, "minute": 2}
